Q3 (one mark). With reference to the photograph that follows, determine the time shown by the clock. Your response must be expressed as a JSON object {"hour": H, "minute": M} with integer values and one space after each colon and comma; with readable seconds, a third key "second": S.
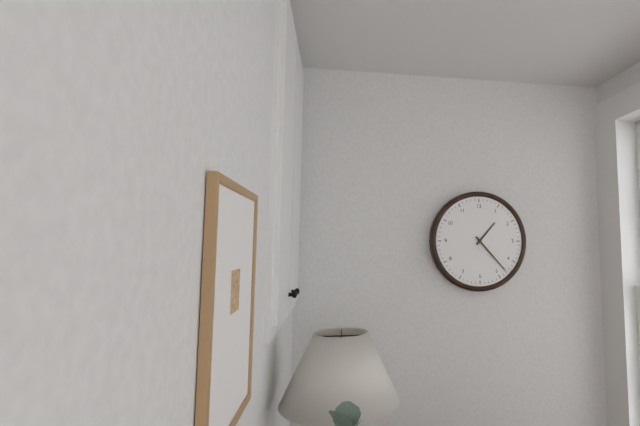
{"hour": 1, "minute": 23}
